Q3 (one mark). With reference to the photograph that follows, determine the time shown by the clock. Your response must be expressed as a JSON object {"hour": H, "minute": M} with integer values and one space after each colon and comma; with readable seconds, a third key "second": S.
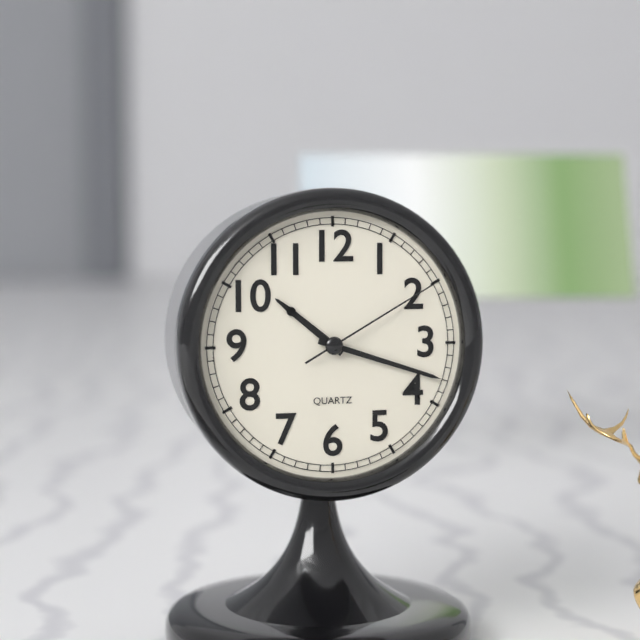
{"hour": 10, "minute": 18, "second": 10}
